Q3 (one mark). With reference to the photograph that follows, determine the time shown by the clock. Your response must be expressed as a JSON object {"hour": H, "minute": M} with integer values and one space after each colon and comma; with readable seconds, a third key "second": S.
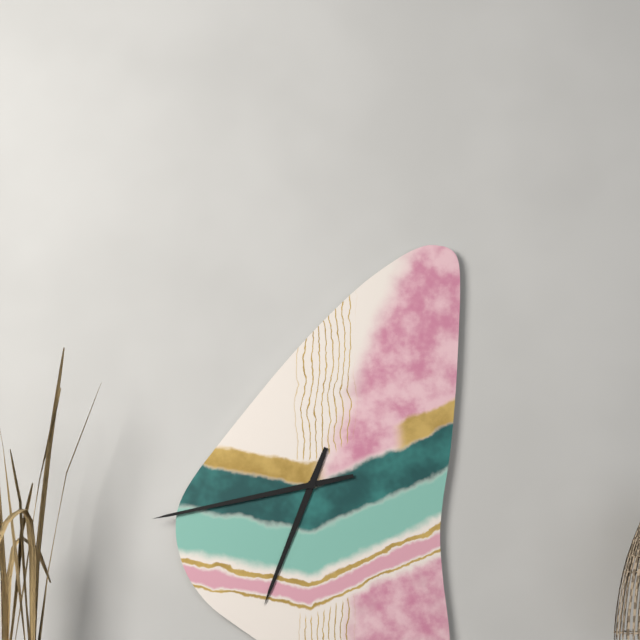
{"hour": 6, "minute": 43}
